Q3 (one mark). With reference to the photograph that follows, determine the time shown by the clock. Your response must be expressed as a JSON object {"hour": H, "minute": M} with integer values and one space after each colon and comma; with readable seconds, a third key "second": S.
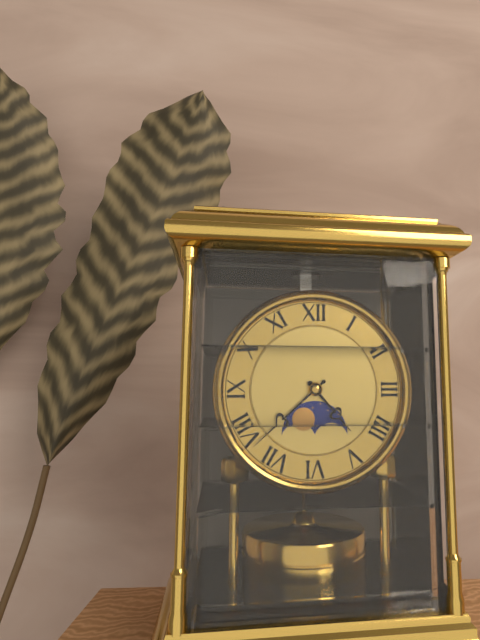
{"hour": 4, "minute": 38}
